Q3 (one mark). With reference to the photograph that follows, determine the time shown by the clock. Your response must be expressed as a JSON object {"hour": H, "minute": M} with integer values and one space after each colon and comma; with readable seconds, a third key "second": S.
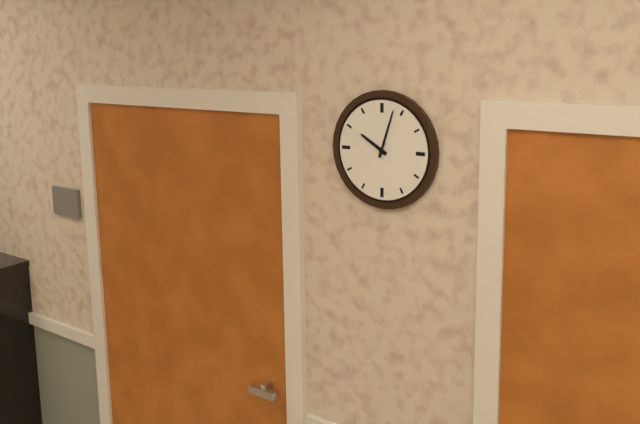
{"hour": 10, "minute": 3}
